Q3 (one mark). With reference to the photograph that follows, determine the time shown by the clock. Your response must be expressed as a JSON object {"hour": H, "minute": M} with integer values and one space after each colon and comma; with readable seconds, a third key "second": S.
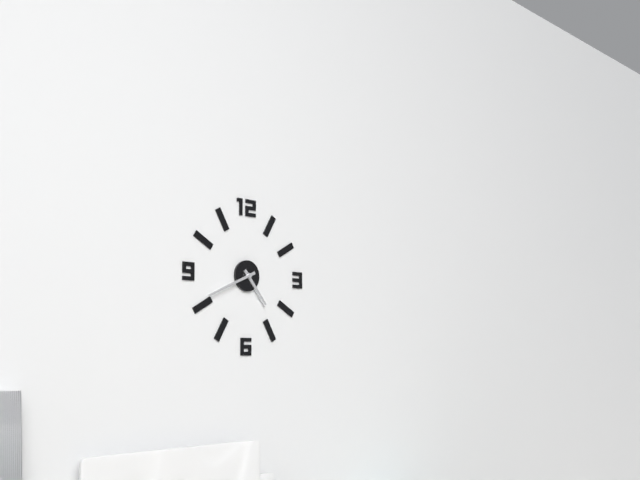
{"hour": 4, "minute": 41}
